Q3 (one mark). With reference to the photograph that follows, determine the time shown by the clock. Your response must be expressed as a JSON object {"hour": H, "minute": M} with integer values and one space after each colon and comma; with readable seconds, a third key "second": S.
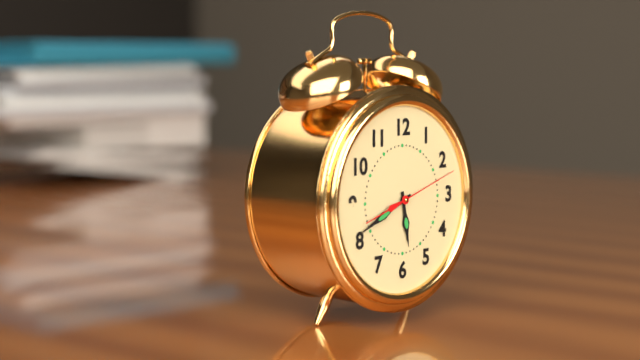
{"hour": 5, "minute": 41, "second": 12}
